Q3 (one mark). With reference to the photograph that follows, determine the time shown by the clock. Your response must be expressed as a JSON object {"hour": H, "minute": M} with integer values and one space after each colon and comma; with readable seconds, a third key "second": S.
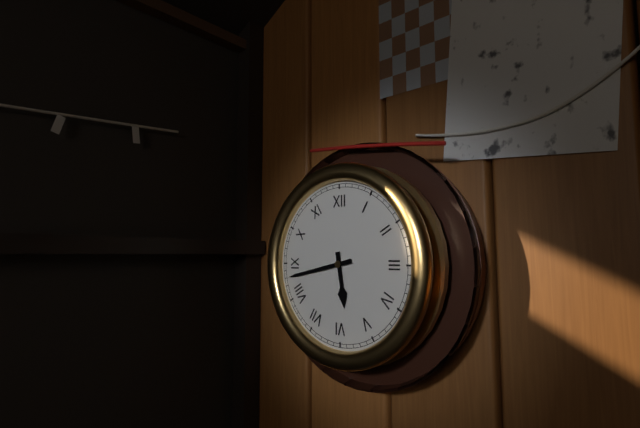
{"hour": 5, "minute": 43}
